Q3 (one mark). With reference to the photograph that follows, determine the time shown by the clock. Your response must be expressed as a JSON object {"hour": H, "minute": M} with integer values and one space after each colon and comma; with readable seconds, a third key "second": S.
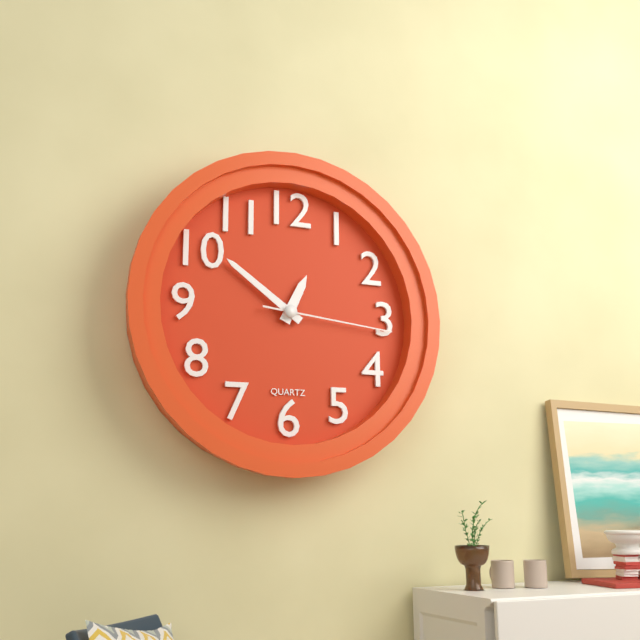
{"hour": 12, "minute": 51, "second": 16}
